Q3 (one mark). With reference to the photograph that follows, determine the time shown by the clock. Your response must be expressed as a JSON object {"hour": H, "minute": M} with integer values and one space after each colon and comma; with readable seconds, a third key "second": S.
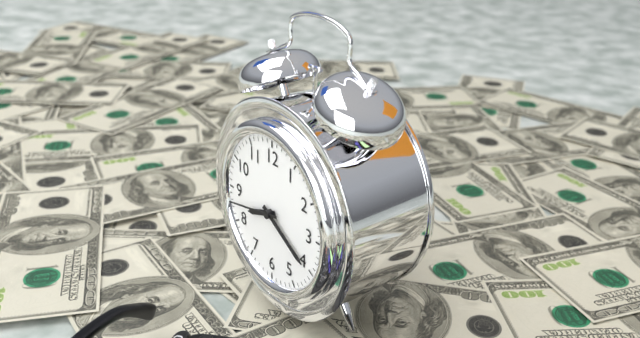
{"hour": 8, "minute": 20, "second": 43}
